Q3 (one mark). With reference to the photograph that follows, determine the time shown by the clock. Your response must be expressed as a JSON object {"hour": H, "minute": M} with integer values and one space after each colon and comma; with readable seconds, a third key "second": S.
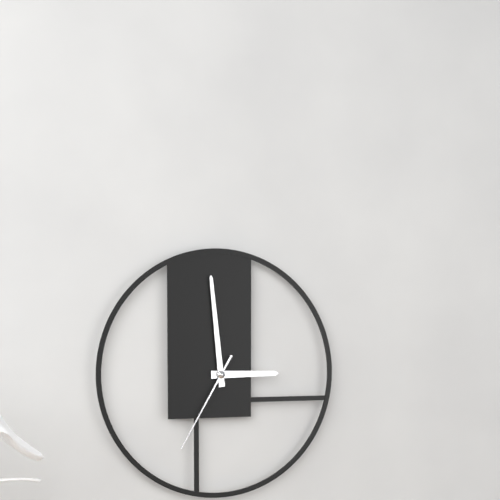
{"hour": 2, "minute": 59, "second": 35}
